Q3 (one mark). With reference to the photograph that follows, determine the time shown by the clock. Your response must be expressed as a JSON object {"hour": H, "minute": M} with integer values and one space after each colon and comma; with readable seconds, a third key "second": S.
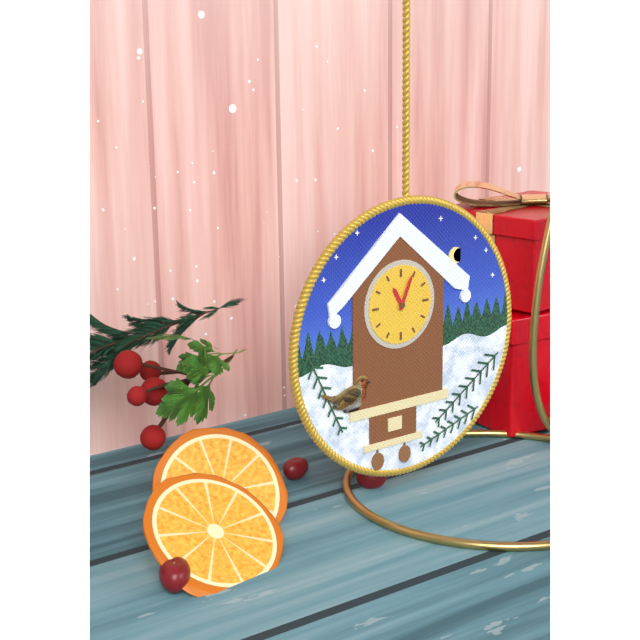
{"hour": 11, "minute": 4}
